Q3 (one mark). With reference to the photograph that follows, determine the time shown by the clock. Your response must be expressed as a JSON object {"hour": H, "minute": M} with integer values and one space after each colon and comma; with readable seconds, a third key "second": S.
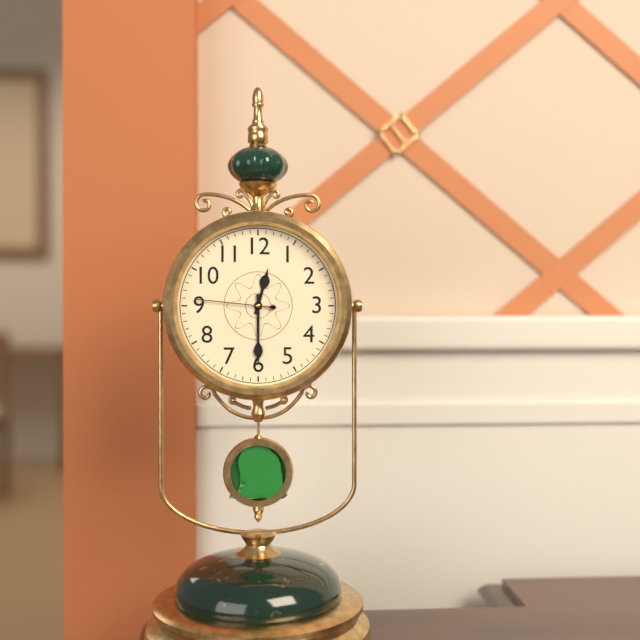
{"hour": 12, "minute": 30, "second": 46}
